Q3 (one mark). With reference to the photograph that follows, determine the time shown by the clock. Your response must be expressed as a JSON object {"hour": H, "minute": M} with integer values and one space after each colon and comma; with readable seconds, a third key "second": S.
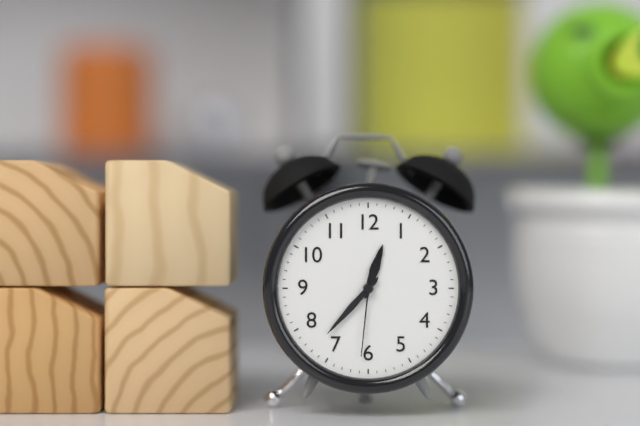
{"hour": 12, "minute": 37, "second": 31}
